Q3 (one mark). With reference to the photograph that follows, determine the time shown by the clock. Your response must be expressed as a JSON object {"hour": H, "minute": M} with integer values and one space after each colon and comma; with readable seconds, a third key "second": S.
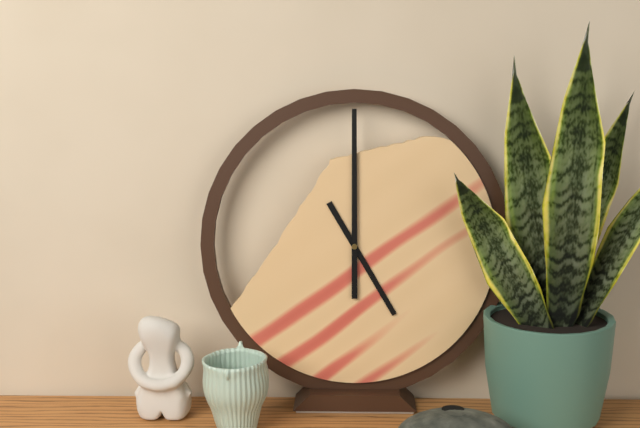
{"hour": 5, "minute": 0}
